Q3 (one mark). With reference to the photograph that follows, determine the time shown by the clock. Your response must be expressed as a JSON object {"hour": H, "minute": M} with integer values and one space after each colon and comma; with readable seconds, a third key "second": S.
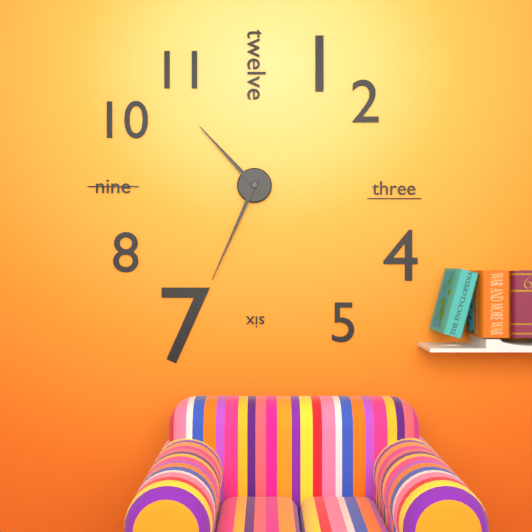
{"hour": 10, "minute": 34}
